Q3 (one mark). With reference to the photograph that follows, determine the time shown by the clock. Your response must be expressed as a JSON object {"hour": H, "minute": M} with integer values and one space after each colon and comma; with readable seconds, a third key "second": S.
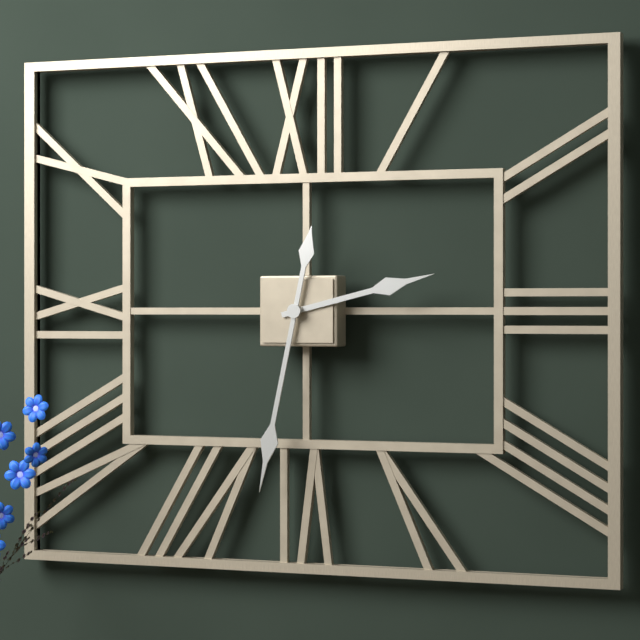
{"hour": 2, "minute": 32}
